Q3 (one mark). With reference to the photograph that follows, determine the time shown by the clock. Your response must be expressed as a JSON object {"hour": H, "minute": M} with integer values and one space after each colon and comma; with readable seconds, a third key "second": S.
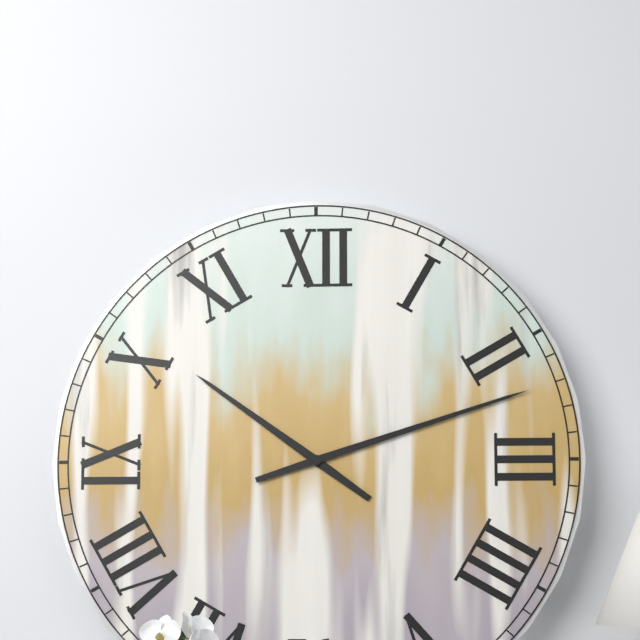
{"hour": 10, "minute": 12}
